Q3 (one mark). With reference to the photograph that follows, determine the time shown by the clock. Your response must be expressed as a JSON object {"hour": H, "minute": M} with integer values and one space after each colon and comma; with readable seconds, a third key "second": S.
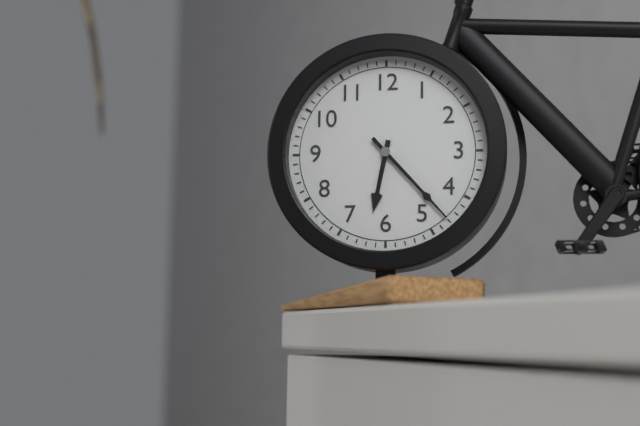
{"hour": 6, "minute": 23}
